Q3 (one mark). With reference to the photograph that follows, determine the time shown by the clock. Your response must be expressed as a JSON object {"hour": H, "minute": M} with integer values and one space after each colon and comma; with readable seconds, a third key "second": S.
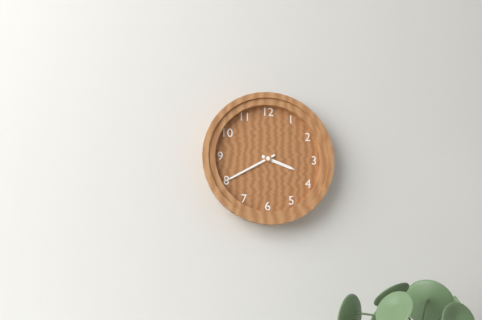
{"hour": 3, "minute": 40}
